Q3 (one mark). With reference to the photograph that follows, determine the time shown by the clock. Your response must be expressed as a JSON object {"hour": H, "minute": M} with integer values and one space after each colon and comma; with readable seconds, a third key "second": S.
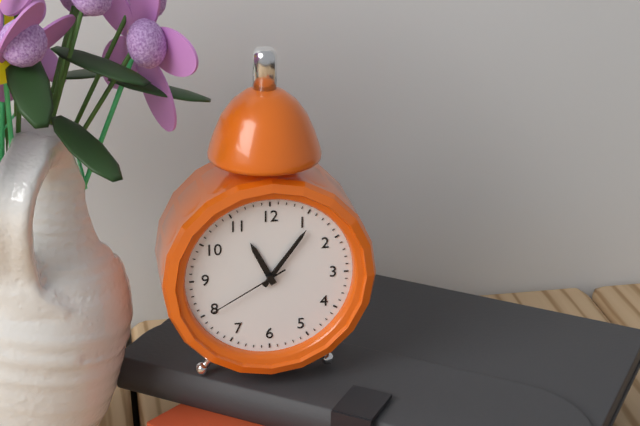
{"hour": 11, "minute": 6, "second": 40}
